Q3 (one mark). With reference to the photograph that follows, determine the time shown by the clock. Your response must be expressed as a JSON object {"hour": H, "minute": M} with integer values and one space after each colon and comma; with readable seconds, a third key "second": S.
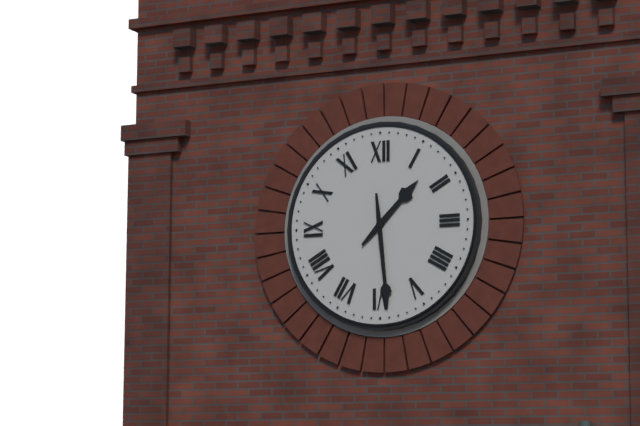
{"hour": 1, "minute": 29}
